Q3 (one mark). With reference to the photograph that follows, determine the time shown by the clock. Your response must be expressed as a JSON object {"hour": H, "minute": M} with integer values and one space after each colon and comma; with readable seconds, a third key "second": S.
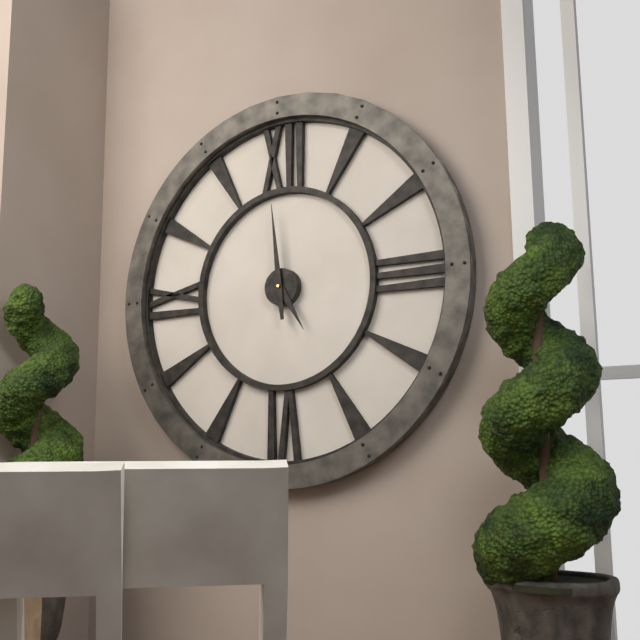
{"hour": 4, "minute": 59}
